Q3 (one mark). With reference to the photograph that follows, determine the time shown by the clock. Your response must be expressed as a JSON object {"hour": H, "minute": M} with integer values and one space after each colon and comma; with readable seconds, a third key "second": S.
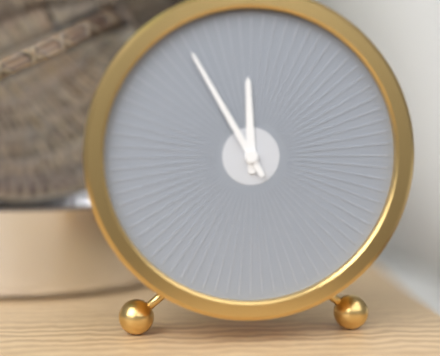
{"hour": 11, "minute": 55}
